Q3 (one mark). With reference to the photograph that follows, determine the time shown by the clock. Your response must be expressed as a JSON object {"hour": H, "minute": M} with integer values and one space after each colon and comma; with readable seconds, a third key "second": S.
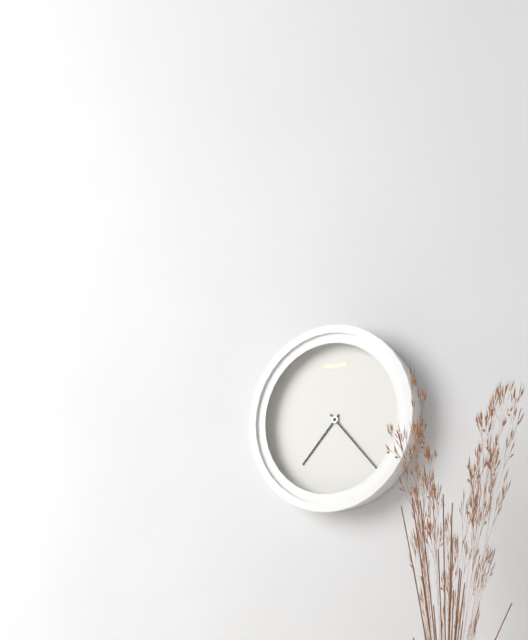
{"hour": 7, "minute": 23}
